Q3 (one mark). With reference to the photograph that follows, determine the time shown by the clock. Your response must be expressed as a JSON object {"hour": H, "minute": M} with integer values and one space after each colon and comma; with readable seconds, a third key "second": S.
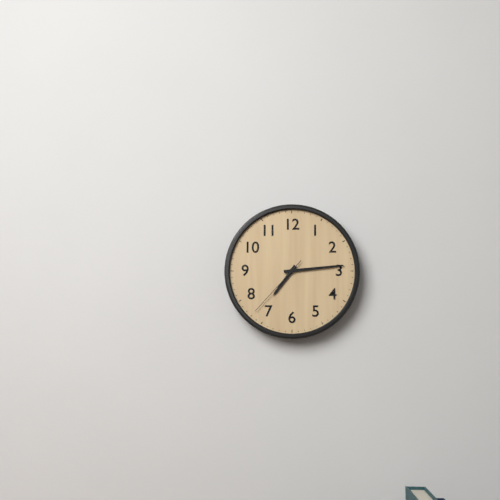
{"hour": 7, "minute": 14, "second": 37}
